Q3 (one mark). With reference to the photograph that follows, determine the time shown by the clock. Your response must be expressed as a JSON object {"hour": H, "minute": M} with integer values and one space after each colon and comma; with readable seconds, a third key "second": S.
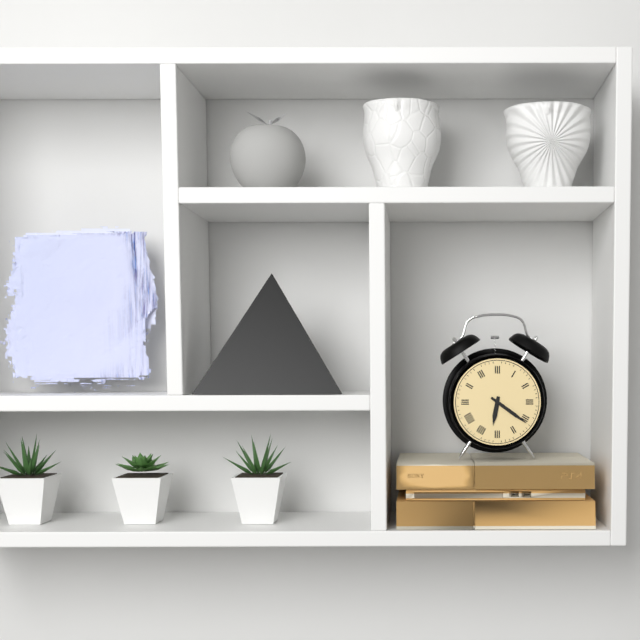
{"hour": 6, "minute": 21}
